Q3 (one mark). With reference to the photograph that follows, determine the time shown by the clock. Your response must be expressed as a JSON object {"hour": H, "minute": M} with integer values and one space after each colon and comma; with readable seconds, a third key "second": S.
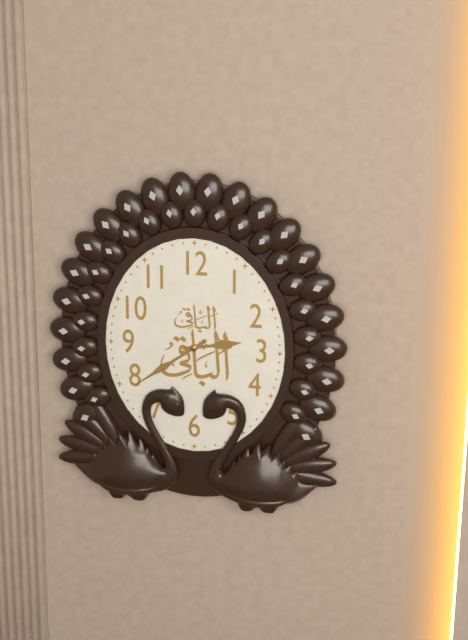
{"hour": 2, "minute": 39}
